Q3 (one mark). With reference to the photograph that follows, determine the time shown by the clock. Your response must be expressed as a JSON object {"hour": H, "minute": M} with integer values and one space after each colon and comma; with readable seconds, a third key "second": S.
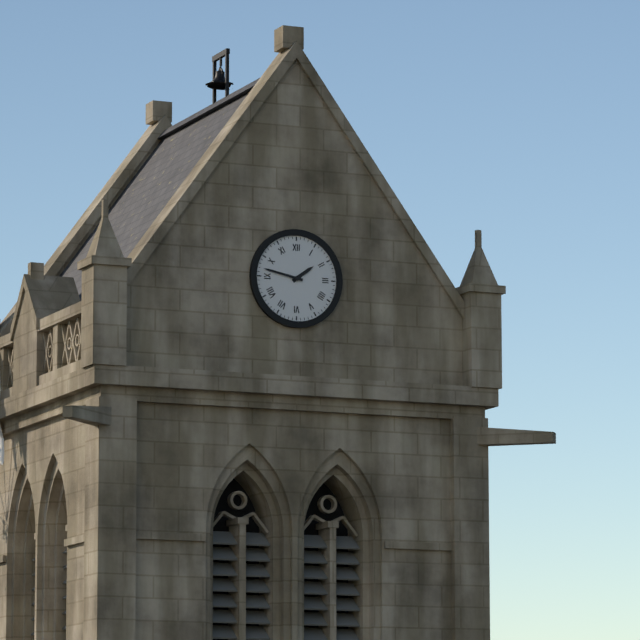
{"hour": 1, "minute": 47}
